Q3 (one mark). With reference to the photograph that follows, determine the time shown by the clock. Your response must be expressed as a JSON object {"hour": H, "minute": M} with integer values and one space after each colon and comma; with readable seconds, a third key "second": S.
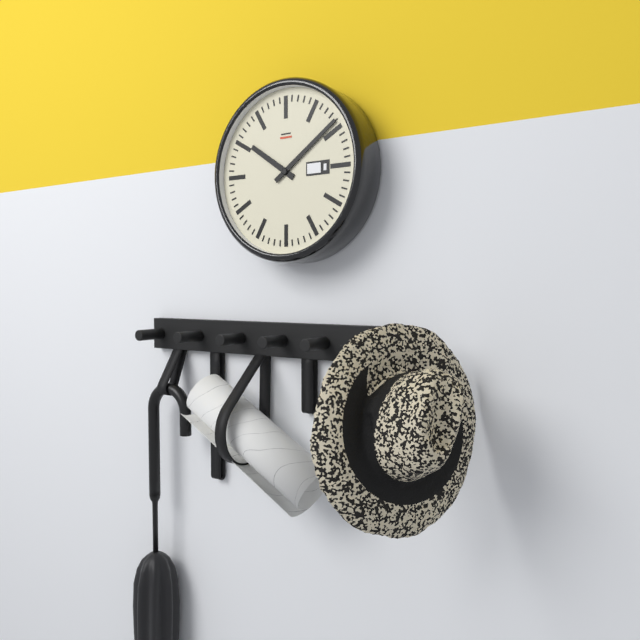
{"hour": 10, "minute": 9}
